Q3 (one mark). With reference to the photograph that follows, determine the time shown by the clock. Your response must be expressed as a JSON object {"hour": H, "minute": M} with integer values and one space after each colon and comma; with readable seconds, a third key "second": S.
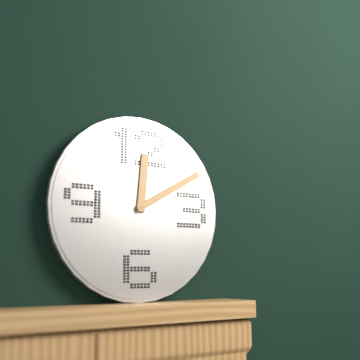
{"hour": 12, "minute": 10}
